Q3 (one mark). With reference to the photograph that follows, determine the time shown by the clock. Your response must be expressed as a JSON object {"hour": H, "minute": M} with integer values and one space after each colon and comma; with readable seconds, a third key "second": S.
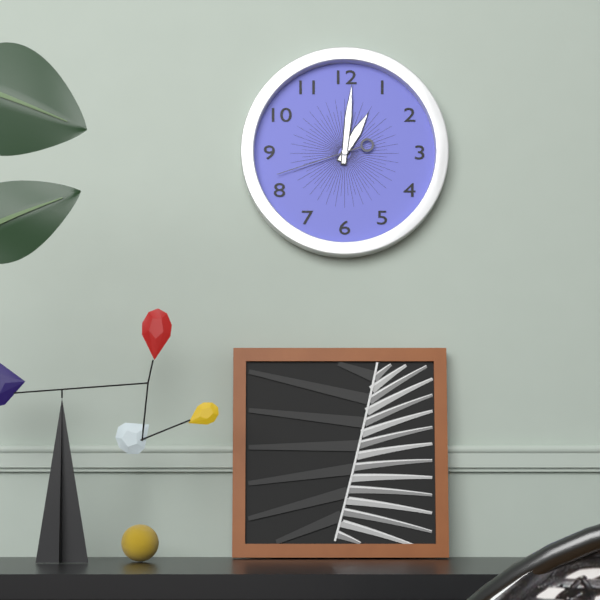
{"hour": 1, "minute": 1, "second": 42}
